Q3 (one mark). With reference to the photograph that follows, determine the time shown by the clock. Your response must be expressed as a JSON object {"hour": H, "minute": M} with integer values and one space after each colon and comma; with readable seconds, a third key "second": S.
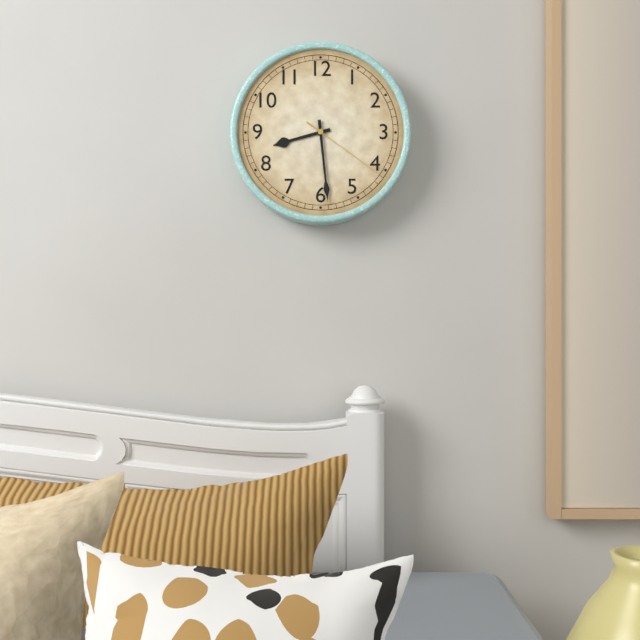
{"hour": 8, "minute": 29, "second": 21}
